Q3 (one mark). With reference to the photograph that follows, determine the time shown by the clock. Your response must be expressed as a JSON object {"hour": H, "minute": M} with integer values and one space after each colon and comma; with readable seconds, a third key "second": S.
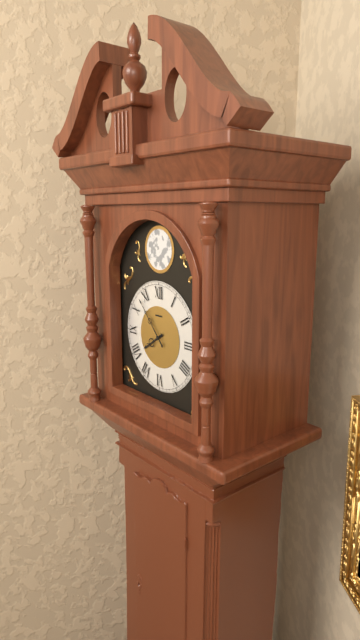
{"hour": 7, "minute": 53}
